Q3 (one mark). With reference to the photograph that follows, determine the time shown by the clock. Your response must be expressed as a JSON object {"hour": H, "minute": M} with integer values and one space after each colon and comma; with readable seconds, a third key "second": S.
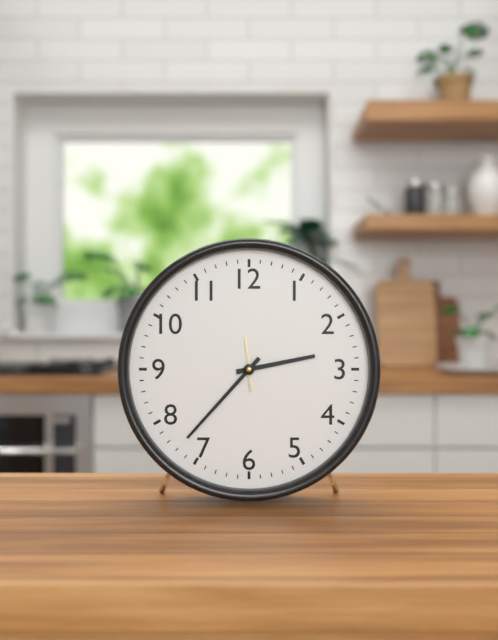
{"hour": 2, "minute": 37}
